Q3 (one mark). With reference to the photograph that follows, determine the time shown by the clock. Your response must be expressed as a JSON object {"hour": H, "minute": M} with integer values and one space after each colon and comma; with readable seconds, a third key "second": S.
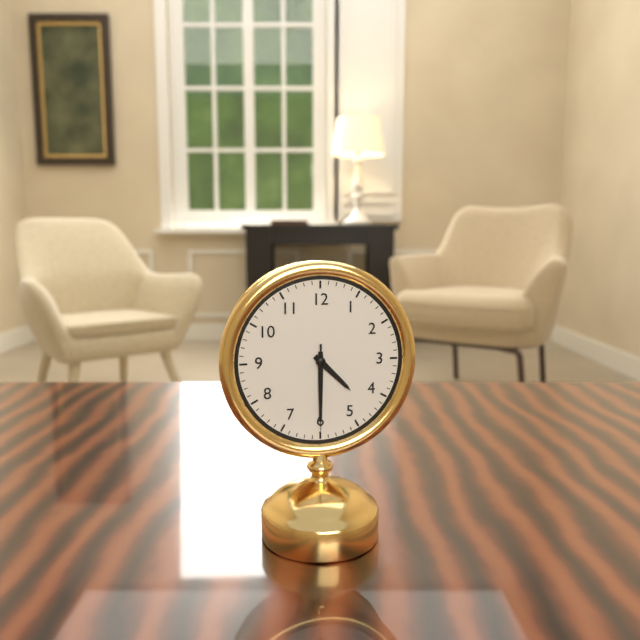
{"hour": 4, "minute": 30, "second": 30}
